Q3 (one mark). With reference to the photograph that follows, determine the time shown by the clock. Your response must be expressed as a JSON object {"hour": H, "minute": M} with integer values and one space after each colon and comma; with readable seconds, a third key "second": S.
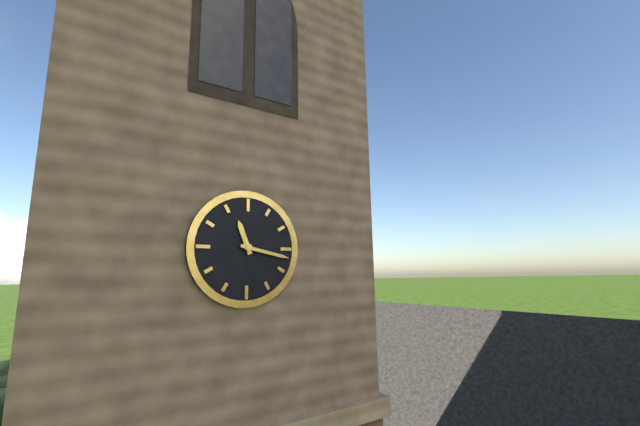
{"hour": 11, "minute": 17}
